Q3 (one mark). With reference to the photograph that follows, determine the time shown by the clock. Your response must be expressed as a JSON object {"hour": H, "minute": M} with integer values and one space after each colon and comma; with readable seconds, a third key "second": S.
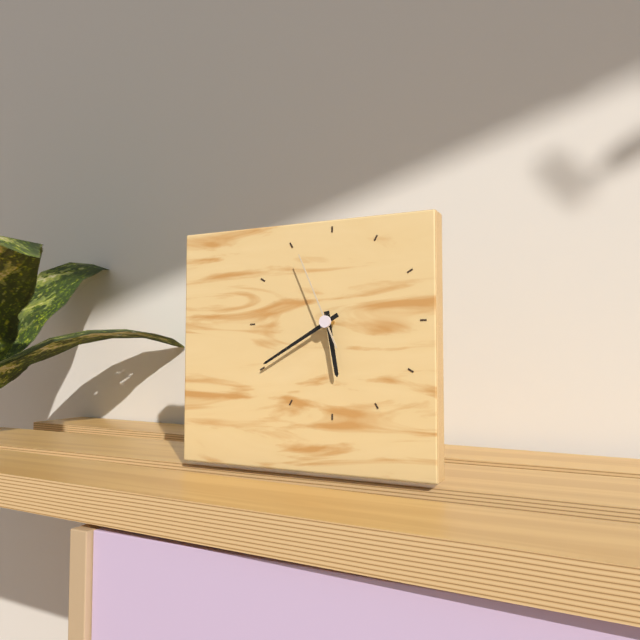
{"hour": 5, "minute": 40, "second": 56}
